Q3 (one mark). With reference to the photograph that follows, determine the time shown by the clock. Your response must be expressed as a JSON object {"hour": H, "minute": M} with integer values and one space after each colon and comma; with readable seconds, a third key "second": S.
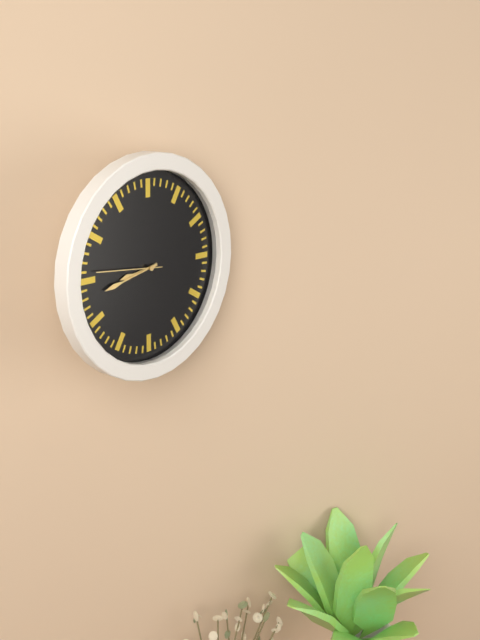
{"hour": 8, "minute": 43, "second": 46}
